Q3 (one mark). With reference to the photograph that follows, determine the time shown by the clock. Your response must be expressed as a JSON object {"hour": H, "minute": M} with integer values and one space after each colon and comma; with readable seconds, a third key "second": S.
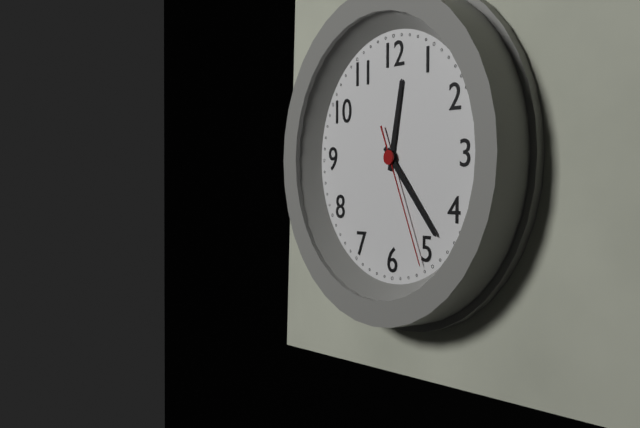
{"hour": 12, "minute": 23, "second": 26}
